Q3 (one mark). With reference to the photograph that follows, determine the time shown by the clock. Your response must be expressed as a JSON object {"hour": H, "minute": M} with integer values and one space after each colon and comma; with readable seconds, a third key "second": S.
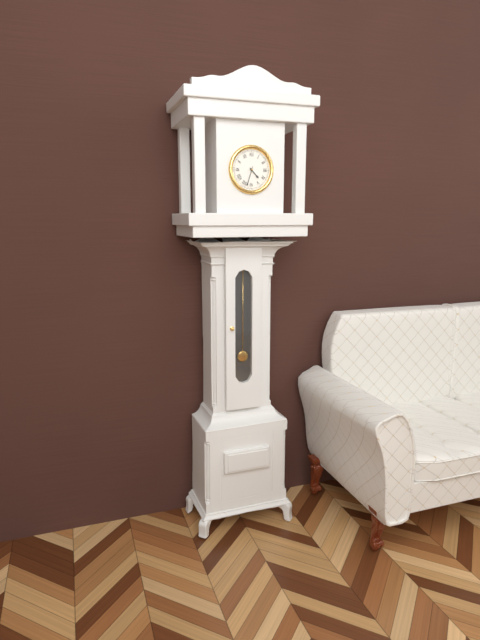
{"hour": 4, "minute": 33}
